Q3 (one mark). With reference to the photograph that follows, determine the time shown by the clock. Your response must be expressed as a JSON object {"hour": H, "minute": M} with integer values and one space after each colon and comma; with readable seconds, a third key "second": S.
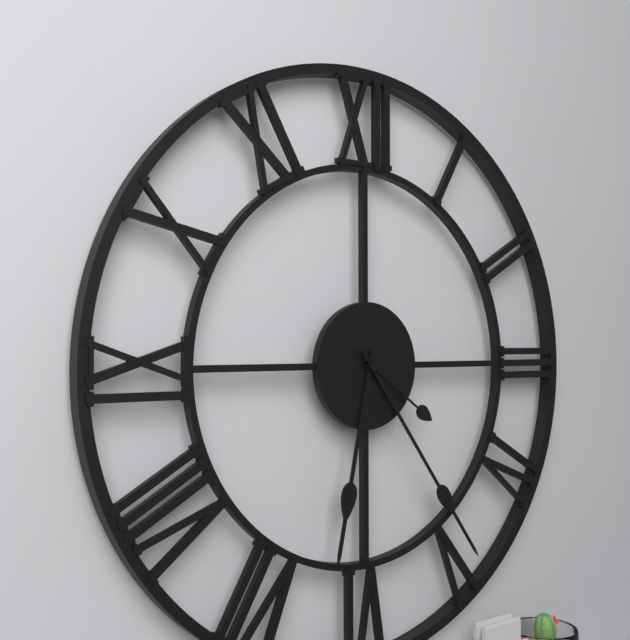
{"hour": 6, "minute": 24, "second": 21}
